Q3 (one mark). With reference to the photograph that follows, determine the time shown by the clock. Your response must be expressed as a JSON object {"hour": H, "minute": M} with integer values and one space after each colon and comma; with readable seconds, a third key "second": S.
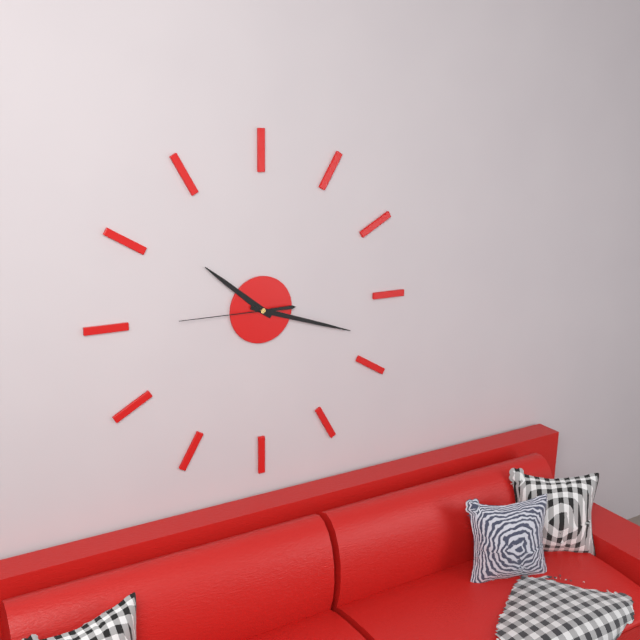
{"hour": 10, "minute": 18, "second": 45}
